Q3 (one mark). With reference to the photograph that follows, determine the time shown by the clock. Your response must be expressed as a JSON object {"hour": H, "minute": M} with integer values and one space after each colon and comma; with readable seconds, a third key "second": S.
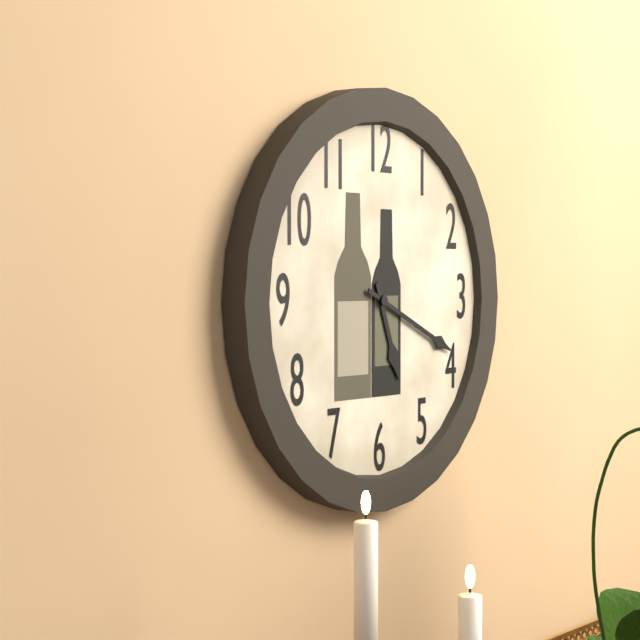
{"hour": 5, "minute": 19}
